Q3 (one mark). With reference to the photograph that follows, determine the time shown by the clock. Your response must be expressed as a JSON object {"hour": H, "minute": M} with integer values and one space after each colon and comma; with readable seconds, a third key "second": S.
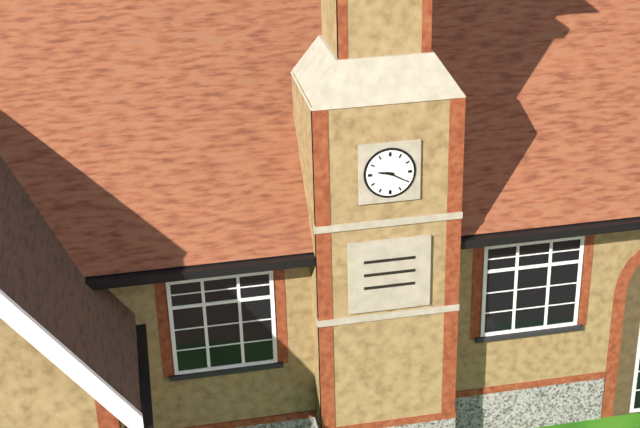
{"hour": 9, "minute": 20}
